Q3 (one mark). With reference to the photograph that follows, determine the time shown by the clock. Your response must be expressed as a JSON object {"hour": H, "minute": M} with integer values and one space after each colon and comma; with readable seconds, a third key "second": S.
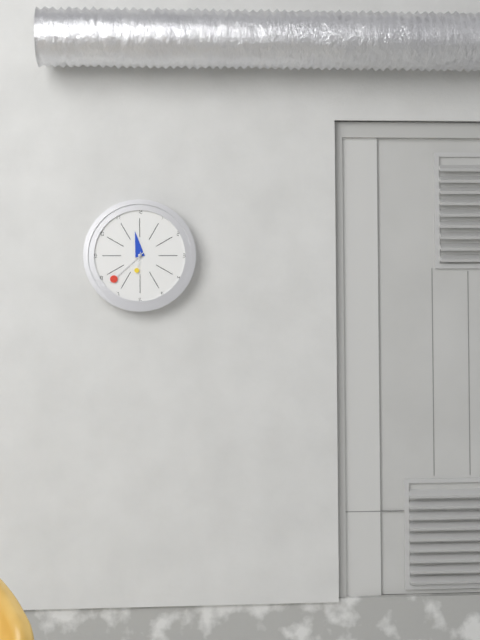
{"hour": 11, "minute": 38}
